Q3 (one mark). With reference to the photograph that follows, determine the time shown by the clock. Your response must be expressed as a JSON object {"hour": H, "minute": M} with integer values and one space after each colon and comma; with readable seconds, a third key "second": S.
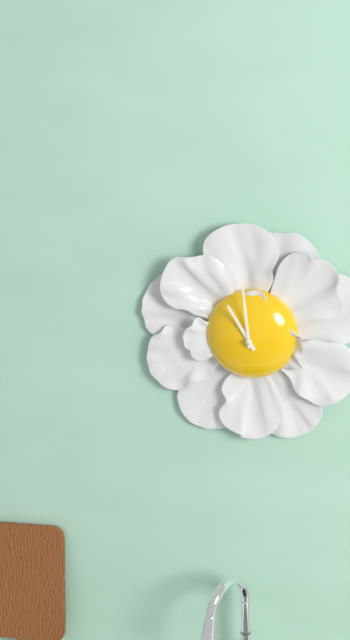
{"hour": 10, "minute": 59}
